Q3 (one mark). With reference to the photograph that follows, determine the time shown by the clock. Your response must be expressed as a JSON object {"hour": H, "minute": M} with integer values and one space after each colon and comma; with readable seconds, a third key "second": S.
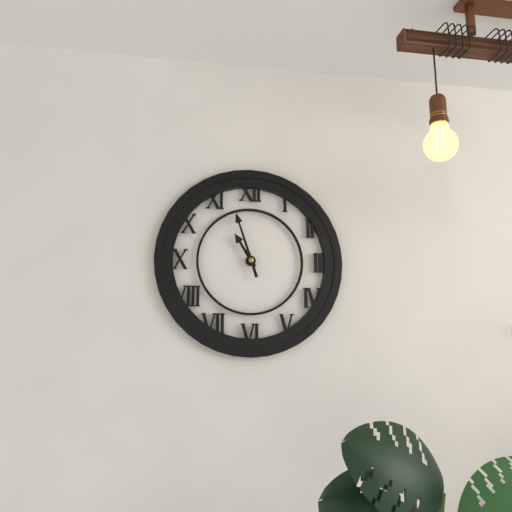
{"hour": 10, "minute": 57}
